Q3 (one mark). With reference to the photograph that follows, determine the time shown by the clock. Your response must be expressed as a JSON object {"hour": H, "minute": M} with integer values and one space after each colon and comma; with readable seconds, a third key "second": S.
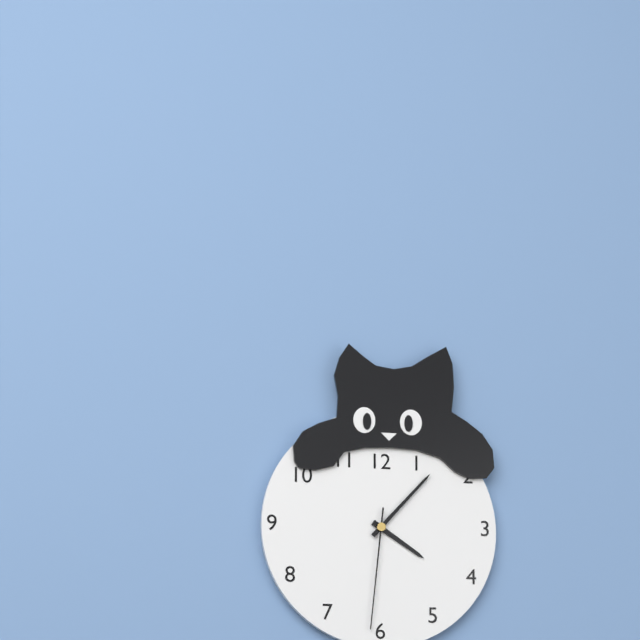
{"hour": 4, "minute": 7, "second": 31}
